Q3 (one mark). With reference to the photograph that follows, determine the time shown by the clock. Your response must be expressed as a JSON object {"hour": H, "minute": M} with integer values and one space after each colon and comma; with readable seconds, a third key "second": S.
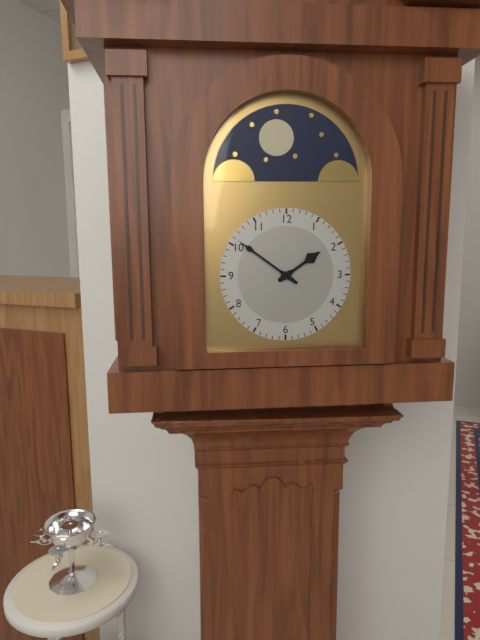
{"hour": 1, "minute": 51}
